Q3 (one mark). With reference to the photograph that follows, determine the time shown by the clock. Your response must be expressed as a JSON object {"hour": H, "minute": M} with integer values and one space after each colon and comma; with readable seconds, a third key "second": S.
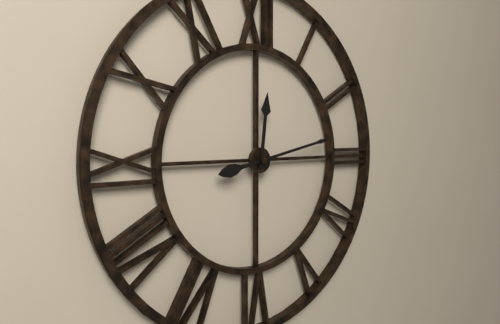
{"hour": 12, "minute": 13}
